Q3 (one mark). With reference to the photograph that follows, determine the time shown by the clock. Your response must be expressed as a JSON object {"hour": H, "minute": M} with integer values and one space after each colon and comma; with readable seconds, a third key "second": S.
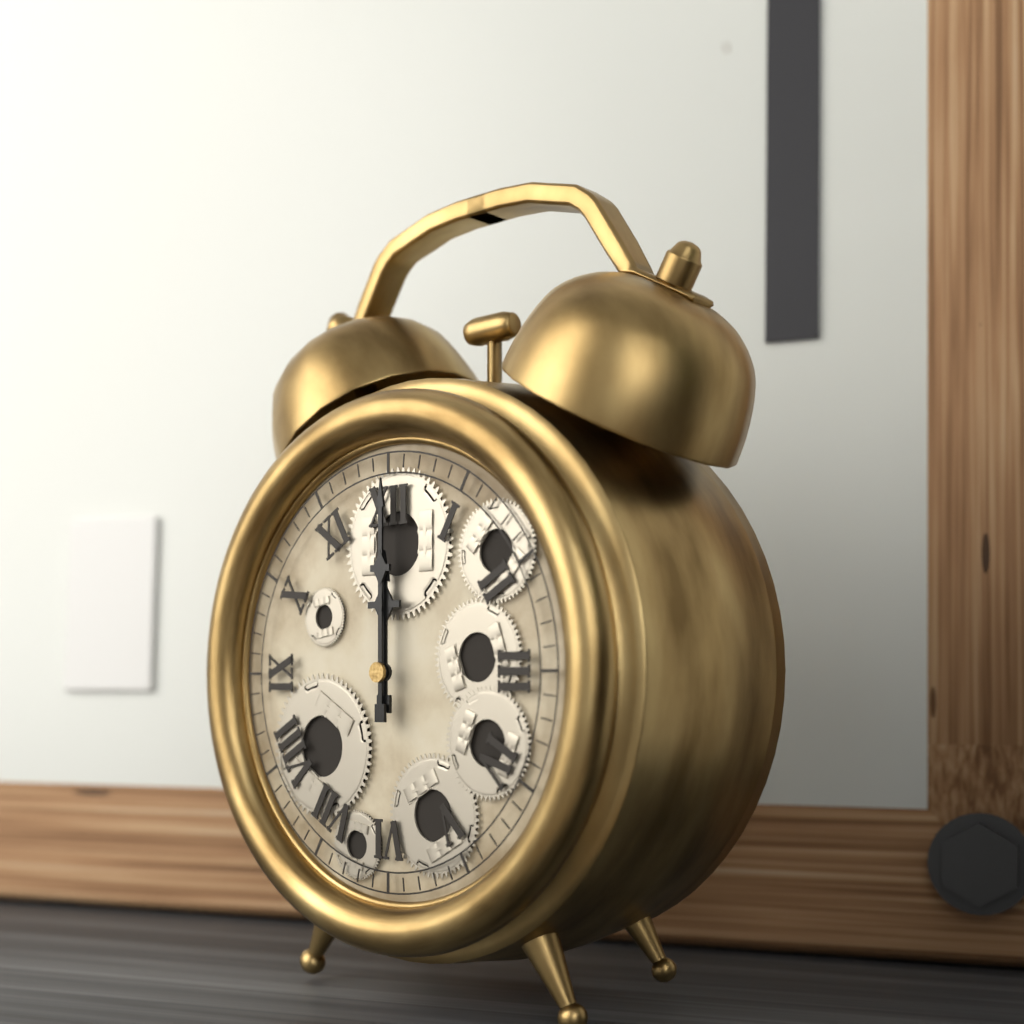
{"hour": 12, "minute": 0}
